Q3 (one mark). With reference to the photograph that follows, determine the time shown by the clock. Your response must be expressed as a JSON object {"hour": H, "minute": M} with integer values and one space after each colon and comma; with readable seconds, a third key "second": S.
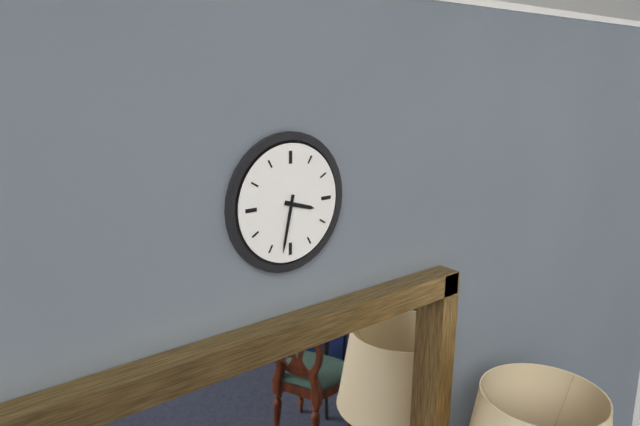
{"hour": 3, "minute": 32}
